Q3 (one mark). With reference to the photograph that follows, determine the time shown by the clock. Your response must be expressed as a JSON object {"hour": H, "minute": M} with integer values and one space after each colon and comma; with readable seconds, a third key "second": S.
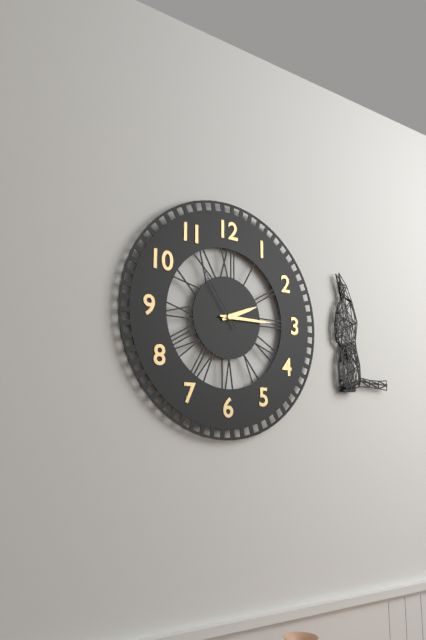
{"hour": 2, "minute": 15, "second": 54}
